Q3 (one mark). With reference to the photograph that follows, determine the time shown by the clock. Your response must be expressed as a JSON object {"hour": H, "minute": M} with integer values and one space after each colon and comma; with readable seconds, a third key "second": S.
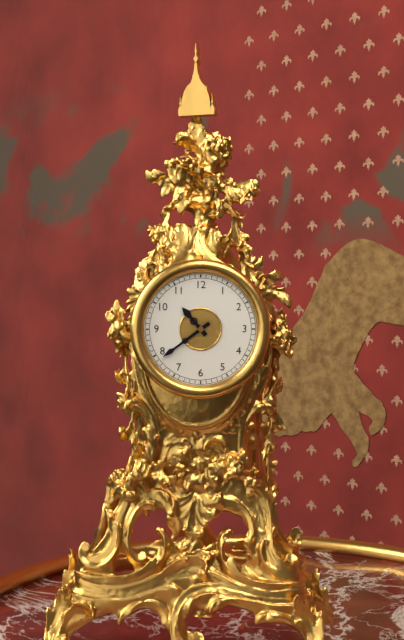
{"hour": 10, "minute": 39}
